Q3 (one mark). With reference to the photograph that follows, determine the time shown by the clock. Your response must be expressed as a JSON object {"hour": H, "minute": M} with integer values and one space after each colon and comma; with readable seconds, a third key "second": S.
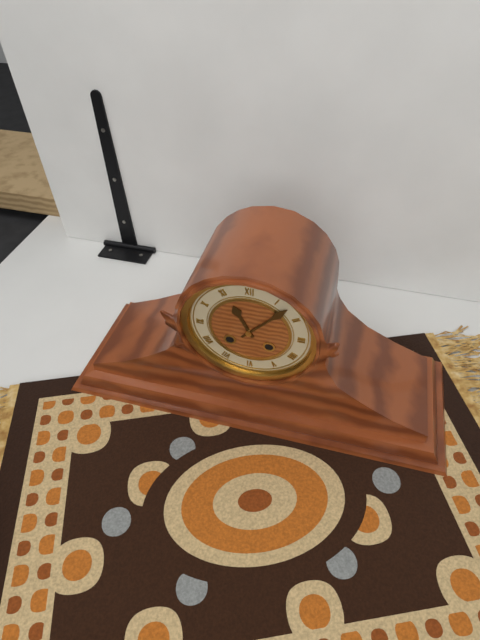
{"hour": 11, "minute": 7}
